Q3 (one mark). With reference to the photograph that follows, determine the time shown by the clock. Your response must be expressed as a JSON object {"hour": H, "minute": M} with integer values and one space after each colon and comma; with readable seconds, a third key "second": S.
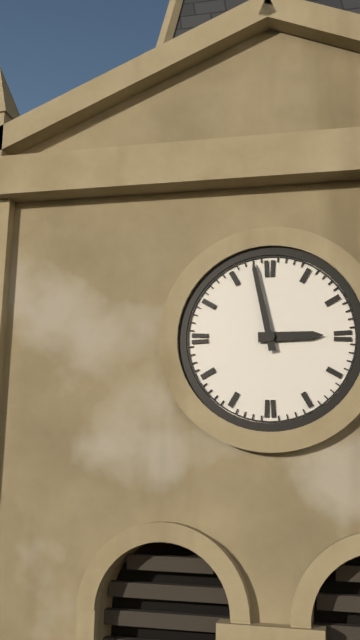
{"hour": 2, "minute": 58}
